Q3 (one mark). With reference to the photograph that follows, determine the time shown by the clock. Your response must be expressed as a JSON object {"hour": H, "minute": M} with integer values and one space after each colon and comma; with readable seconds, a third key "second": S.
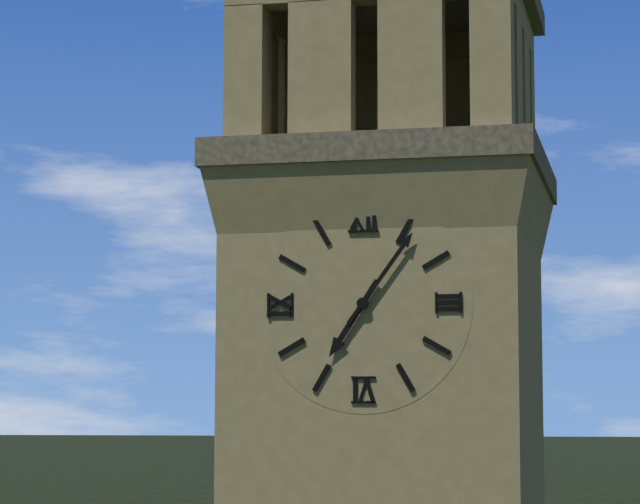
{"hour": 7, "minute": 6}
